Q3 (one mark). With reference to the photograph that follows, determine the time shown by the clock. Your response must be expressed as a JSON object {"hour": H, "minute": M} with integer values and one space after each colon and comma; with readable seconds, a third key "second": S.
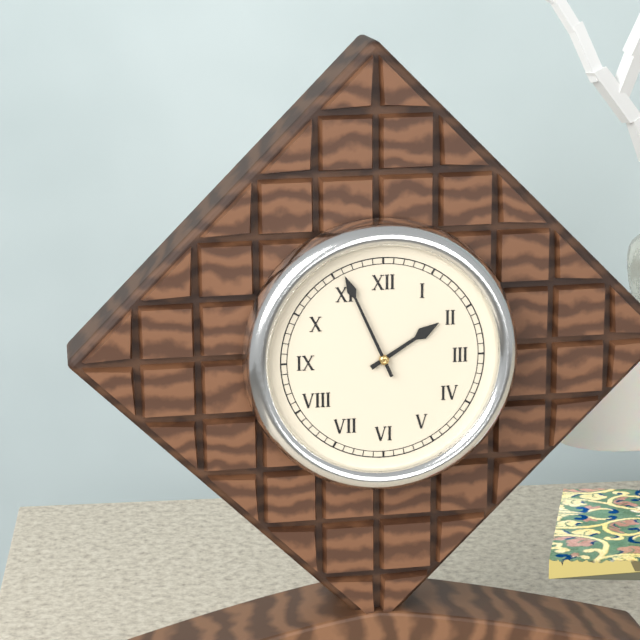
{"hour": 1, "minute": 56}
